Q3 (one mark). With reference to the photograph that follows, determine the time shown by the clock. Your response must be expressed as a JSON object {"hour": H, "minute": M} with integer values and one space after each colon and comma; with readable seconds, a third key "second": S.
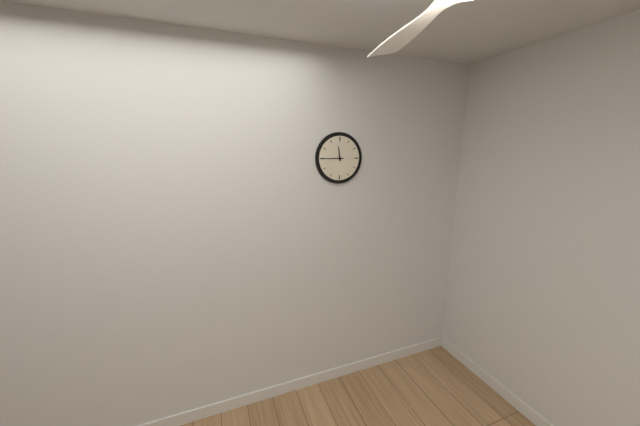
{"hour": 11, "minute": 45}
